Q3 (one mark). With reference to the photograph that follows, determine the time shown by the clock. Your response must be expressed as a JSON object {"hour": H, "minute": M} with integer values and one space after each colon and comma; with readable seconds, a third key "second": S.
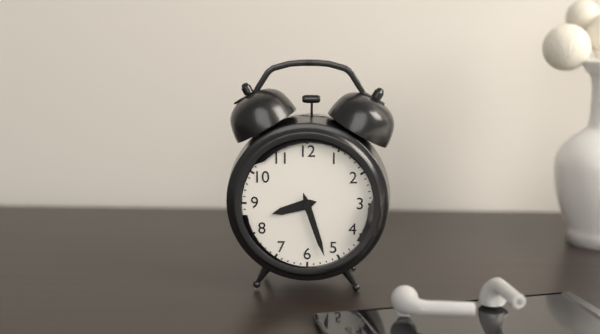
{"hour": 8, "minute": 27}
